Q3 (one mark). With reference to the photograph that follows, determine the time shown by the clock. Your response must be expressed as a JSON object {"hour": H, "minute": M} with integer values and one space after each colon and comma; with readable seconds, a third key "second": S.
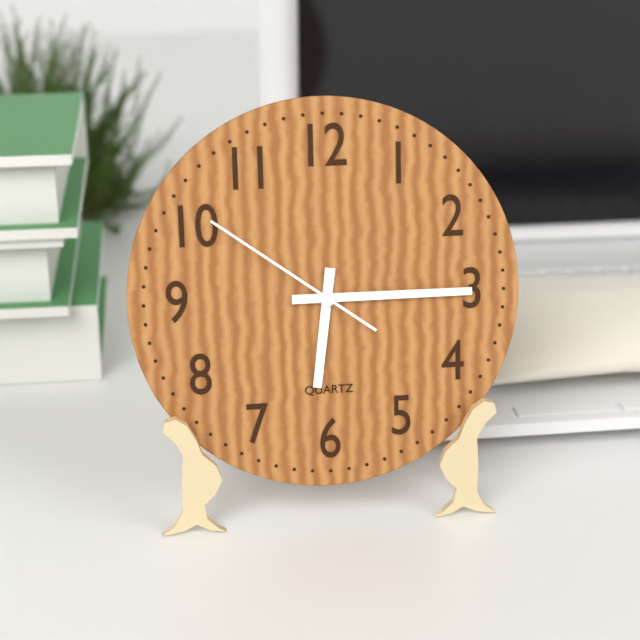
{"hour": 6, "minute": 15, "second": 51}
